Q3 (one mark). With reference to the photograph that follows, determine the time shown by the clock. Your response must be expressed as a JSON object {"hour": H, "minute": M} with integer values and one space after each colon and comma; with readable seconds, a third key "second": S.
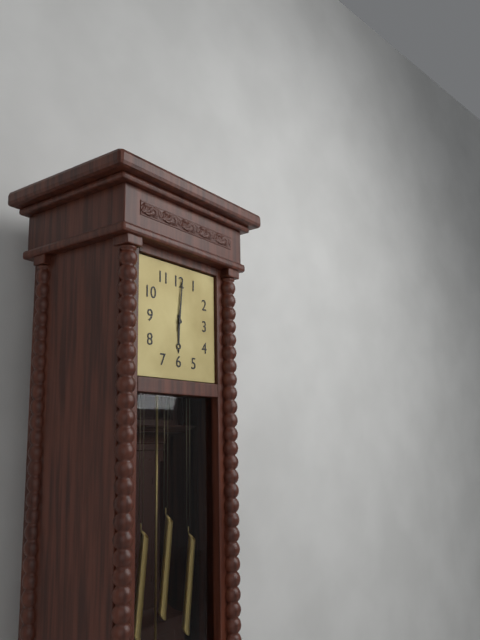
{"hour": 6, "minute": 1}
